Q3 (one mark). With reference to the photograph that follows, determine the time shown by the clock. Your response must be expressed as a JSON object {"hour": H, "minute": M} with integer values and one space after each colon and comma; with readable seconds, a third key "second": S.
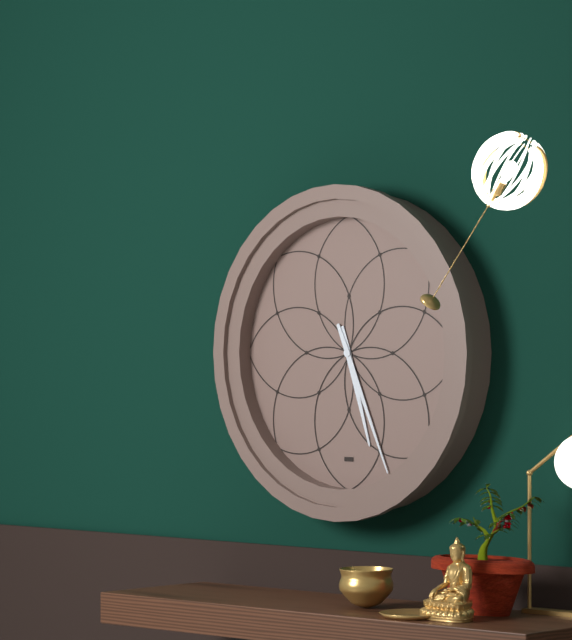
{"hour": 5, "minute": 26}
